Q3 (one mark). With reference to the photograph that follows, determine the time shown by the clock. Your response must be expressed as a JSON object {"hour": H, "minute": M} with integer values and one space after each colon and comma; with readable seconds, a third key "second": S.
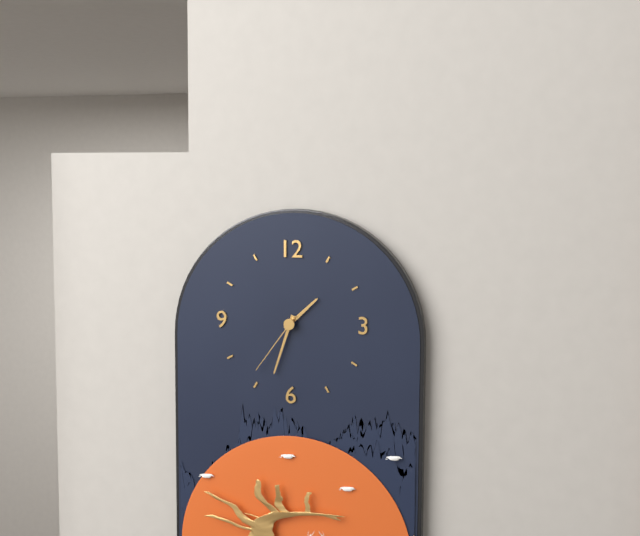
{"hour": 1, "minute": 33, "second": 36}
